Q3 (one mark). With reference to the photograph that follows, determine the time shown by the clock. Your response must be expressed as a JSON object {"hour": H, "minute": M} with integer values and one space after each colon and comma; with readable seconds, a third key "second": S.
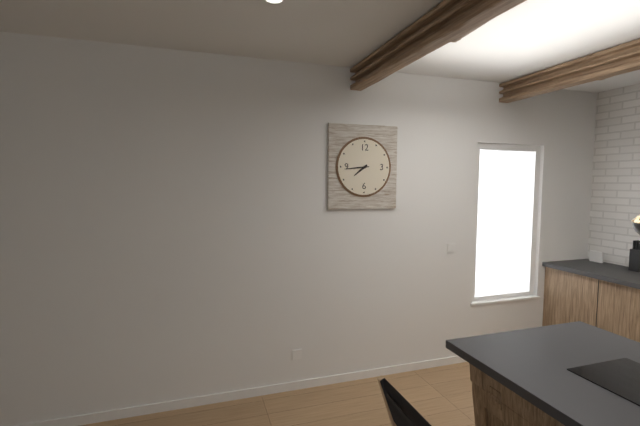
{"hour": 7, "minute": 44}
